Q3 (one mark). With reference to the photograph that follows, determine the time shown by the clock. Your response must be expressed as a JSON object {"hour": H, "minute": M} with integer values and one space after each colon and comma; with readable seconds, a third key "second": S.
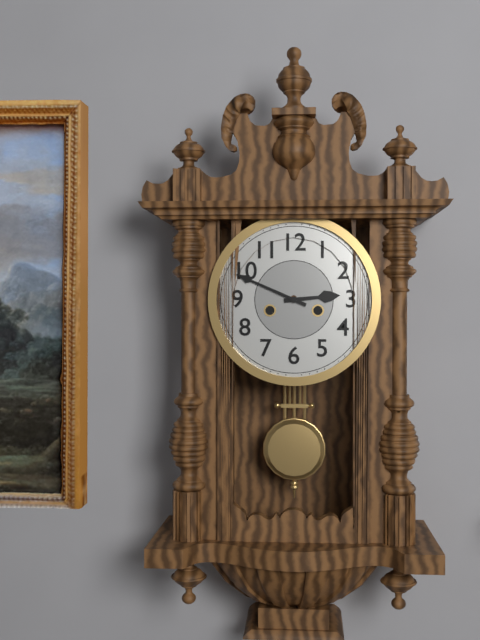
{"hour": 2, "minute": 49}
